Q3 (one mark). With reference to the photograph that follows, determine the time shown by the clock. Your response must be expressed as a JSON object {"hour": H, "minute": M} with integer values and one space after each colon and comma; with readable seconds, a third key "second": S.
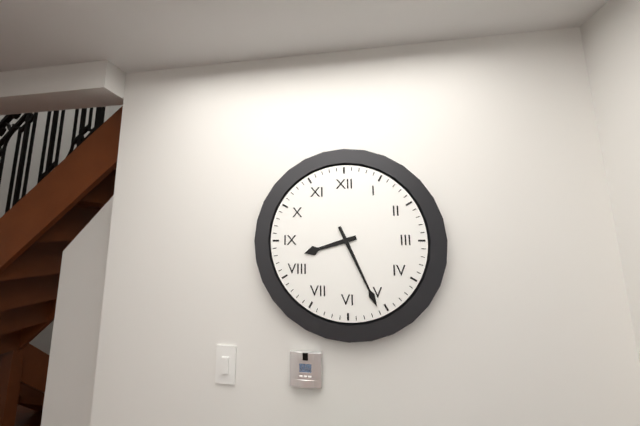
{"hour": 8, "minute": 26}
